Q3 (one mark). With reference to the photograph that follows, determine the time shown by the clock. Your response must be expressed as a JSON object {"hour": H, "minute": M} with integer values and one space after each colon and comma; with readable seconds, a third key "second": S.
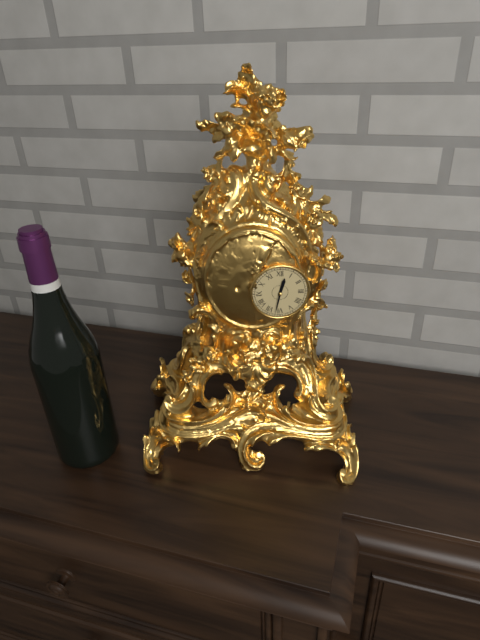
{"hour": 12, "minute": 32}
